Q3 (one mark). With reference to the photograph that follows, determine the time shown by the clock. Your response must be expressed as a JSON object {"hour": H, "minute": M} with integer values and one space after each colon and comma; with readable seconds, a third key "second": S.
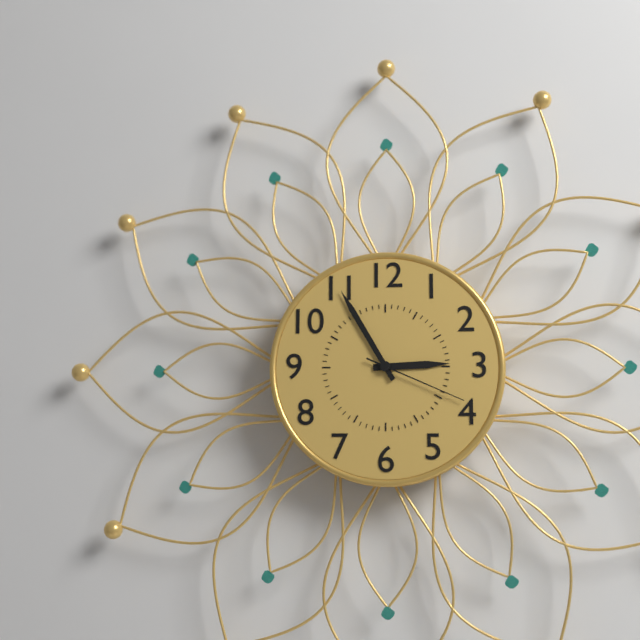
{"hour": 2, "minute": 55, "second": 19}
